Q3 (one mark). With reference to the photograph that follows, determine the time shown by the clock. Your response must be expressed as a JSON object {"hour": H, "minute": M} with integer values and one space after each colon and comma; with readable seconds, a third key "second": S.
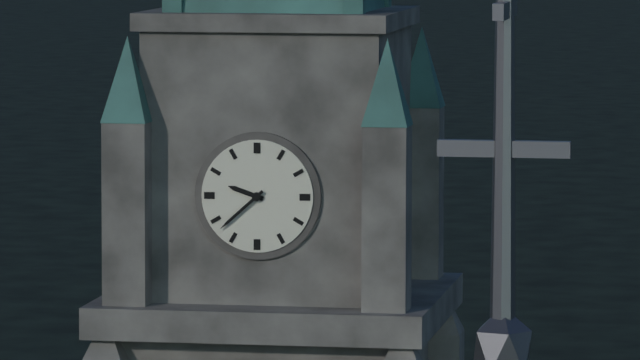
{"hour": 9, "minute": 38}
